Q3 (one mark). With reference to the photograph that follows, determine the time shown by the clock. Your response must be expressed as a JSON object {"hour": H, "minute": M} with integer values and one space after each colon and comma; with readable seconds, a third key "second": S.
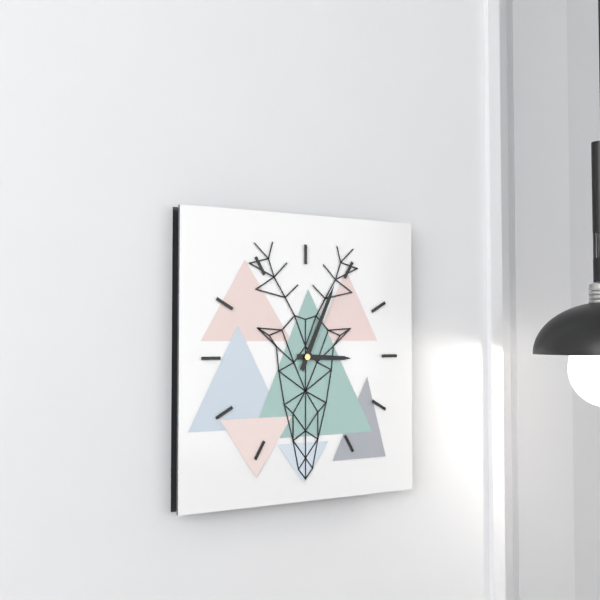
{"hour": 3, "minute": 4}
